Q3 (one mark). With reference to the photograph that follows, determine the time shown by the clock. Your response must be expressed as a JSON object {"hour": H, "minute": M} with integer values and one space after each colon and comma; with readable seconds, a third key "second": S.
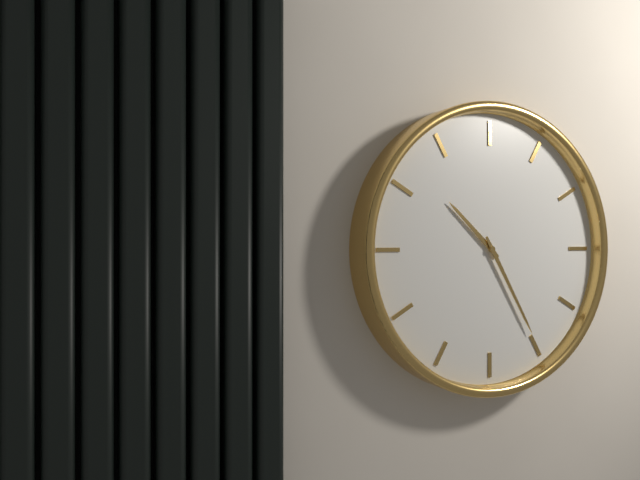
{"hour": 10, "minute": 25}
